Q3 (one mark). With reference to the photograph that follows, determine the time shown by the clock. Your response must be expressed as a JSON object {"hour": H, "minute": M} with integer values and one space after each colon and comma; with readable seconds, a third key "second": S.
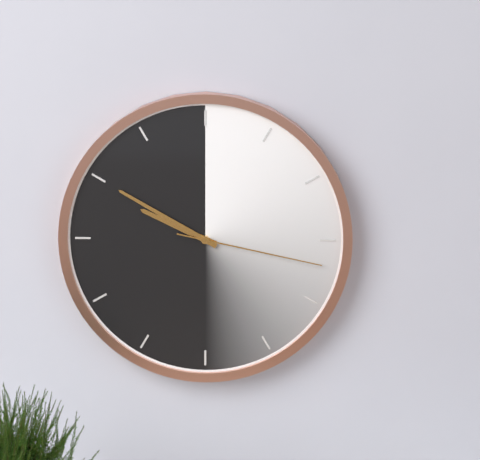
{"hour": 9, "minute": 50, "second": 17}
